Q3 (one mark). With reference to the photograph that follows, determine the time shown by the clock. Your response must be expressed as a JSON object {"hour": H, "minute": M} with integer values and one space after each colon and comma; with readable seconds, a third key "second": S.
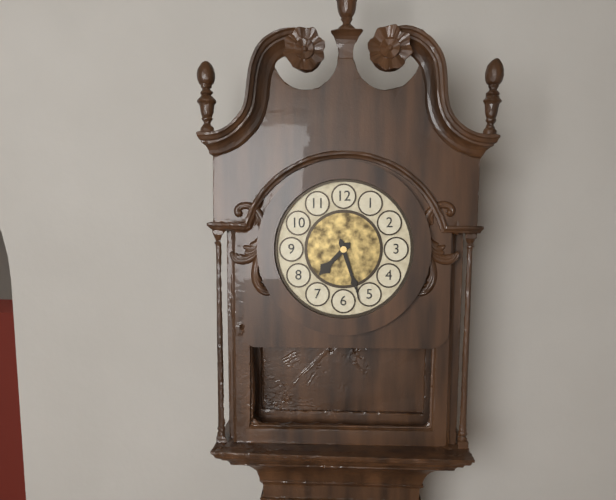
{"hour": 7, "minute": 27}
